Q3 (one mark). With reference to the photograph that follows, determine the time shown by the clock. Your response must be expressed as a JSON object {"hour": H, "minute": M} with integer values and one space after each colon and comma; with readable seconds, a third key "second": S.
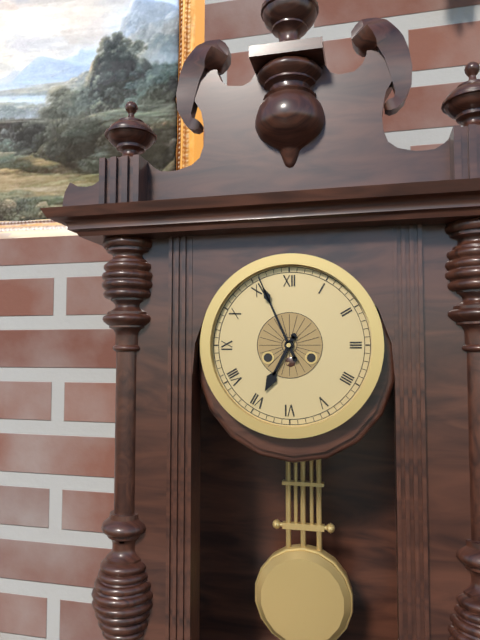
{"hour": 6, "minute": 56}
